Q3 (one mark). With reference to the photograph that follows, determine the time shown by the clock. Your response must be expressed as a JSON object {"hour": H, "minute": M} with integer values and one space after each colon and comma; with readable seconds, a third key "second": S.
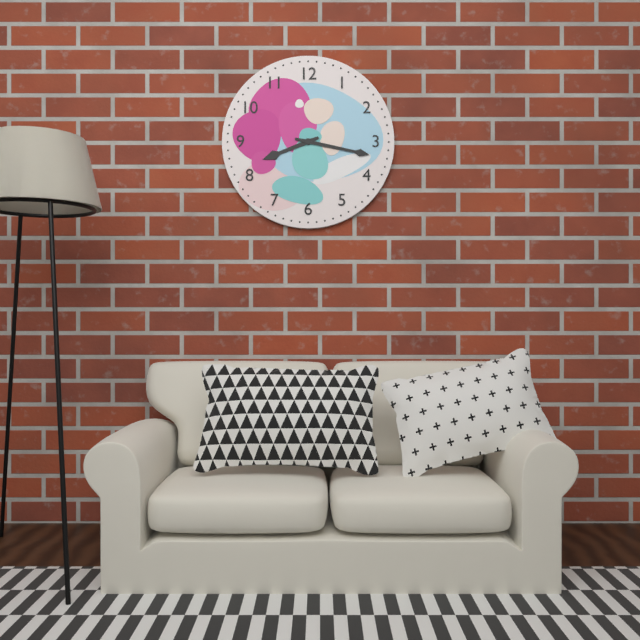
{"hour": 8, "minute": 17}
